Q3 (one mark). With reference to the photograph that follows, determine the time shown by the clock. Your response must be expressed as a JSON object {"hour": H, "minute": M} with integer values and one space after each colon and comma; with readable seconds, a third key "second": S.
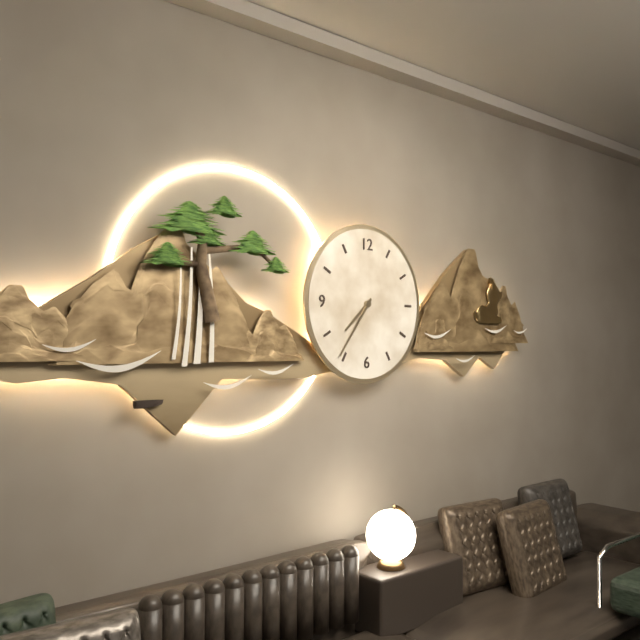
{"hour": 7, "minute": 36}
